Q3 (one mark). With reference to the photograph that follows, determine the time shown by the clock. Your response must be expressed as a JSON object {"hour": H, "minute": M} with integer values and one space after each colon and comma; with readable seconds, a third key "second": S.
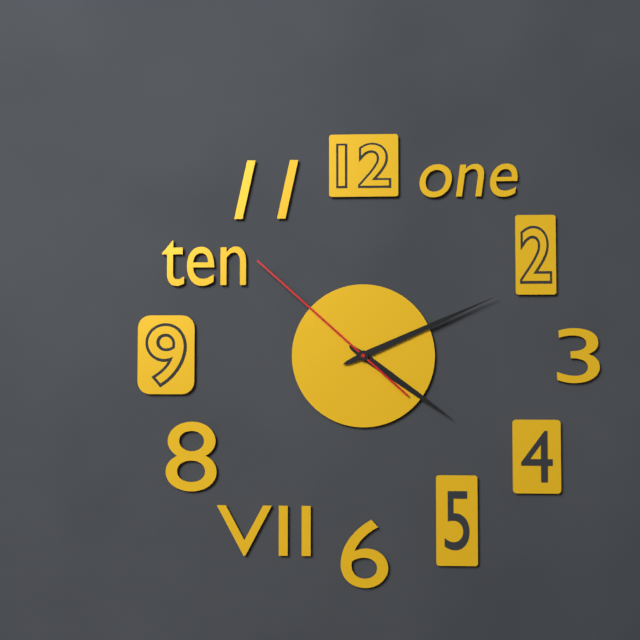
{"hour": 4, "minute": 11, "second": 52}
